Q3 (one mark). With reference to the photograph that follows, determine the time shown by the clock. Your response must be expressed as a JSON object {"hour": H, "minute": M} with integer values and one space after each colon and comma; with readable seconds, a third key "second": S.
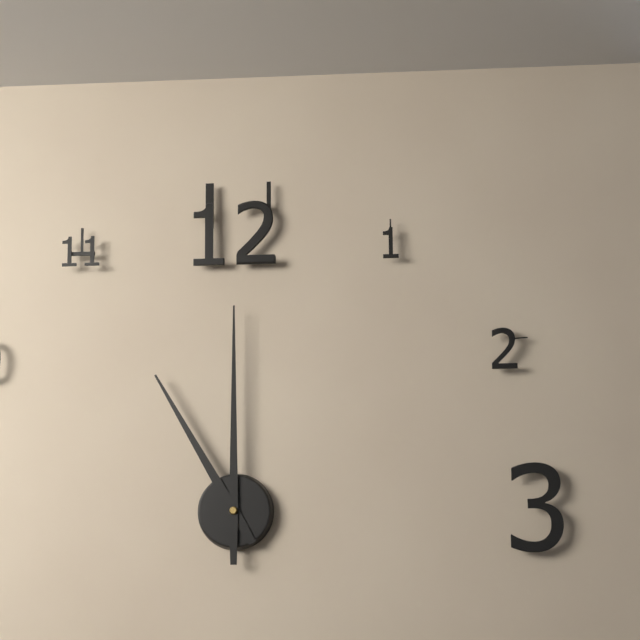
{"hour": 11, "minute": 0}
